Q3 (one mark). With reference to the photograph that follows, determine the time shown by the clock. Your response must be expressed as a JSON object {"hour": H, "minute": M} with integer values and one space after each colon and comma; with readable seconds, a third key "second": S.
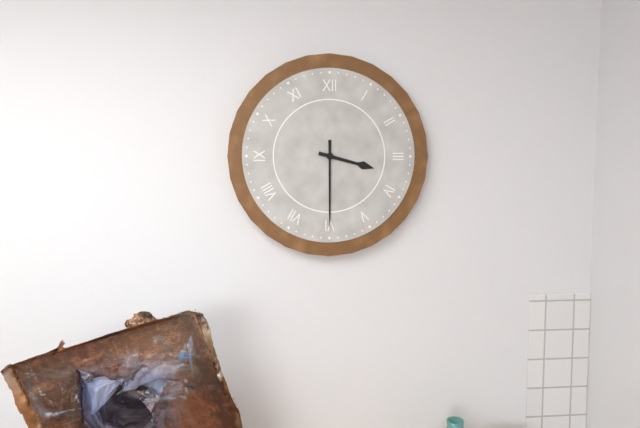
{"hour": 3, "minute": 30}
